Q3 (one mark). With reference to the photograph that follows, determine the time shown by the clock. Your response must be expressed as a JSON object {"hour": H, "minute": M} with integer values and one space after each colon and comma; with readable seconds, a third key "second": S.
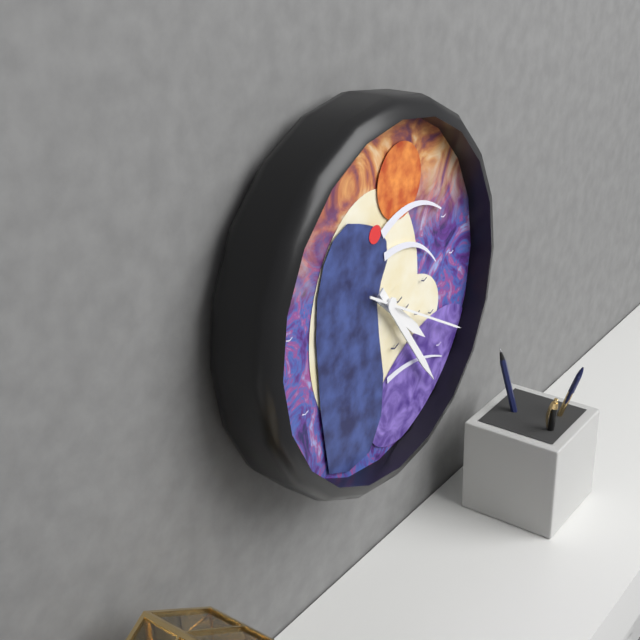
{"hour": 4, "minute": 24, "second": 20}
